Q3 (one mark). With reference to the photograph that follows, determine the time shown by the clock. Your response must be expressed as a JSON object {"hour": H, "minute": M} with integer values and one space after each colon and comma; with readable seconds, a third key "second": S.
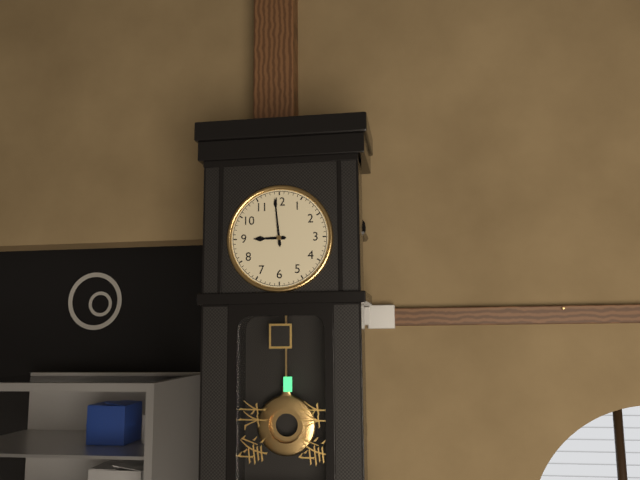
{"hour": 8, "minute": 59}
